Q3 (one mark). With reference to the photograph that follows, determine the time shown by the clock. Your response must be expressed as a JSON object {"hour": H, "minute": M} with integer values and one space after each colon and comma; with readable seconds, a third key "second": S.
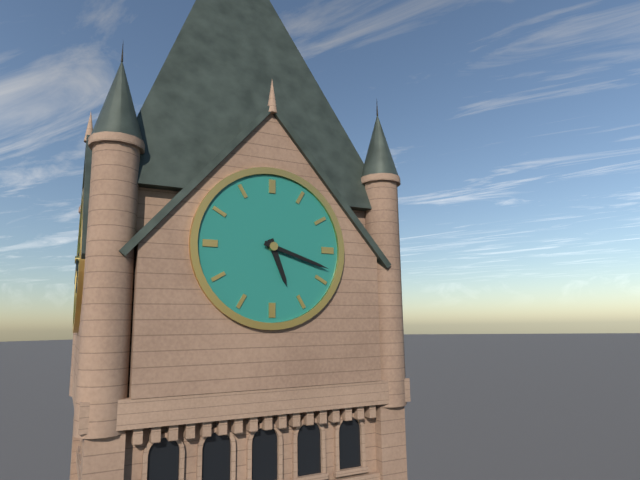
{"hour": 5, "minute": 18}
